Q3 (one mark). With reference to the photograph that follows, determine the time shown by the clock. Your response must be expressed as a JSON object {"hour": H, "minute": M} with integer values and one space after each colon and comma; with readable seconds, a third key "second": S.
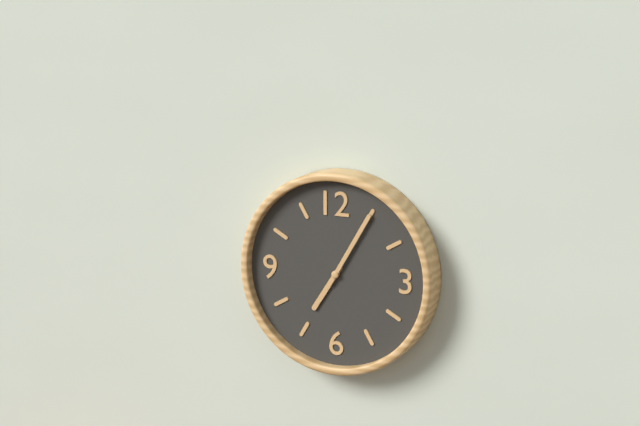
{"hour": 7, "minute": 5}
